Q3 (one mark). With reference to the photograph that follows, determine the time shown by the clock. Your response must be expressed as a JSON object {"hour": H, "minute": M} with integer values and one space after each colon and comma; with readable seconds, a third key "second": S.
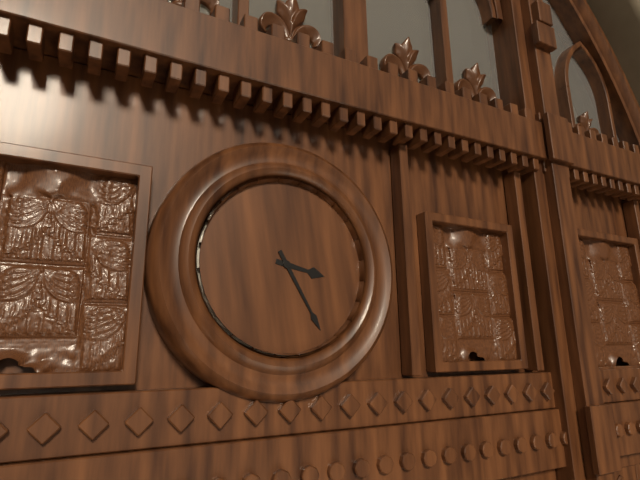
{"hour": 3, "minute": 25}
